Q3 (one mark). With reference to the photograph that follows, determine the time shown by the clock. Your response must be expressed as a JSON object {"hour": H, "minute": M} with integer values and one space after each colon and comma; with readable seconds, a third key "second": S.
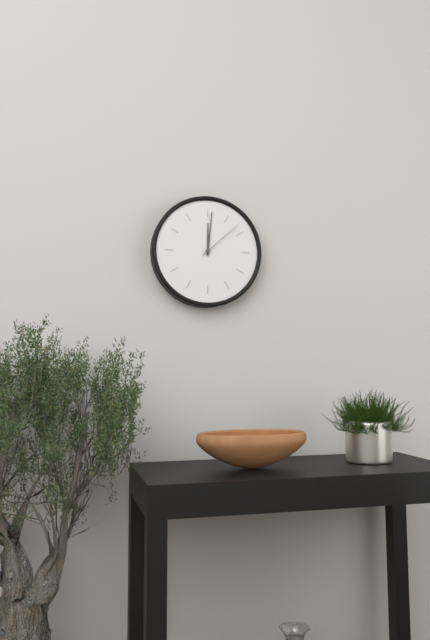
{"hour": 12, "minute": 1}
